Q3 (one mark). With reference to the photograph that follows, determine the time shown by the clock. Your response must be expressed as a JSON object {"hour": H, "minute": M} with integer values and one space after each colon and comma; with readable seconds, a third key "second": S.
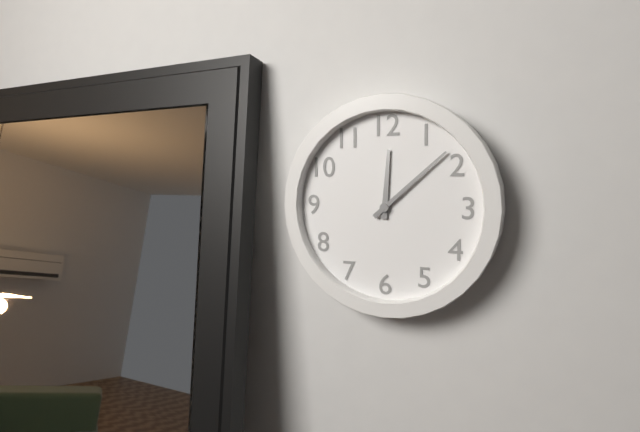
{"hour": 12, "minute": 8}
